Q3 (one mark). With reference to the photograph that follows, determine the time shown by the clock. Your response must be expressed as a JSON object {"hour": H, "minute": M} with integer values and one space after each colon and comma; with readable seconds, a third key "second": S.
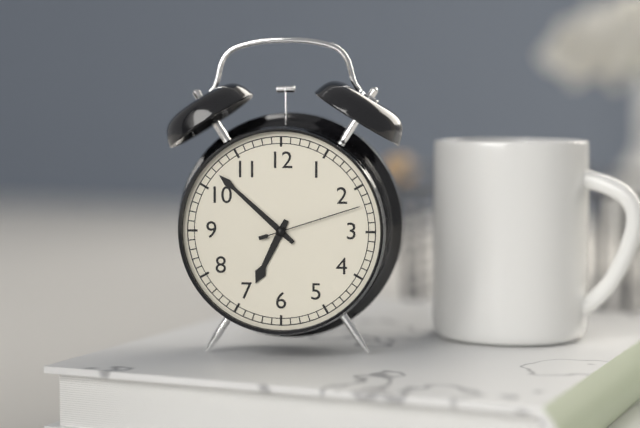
{"hour": 6, "minute": 52, "second": 12}
